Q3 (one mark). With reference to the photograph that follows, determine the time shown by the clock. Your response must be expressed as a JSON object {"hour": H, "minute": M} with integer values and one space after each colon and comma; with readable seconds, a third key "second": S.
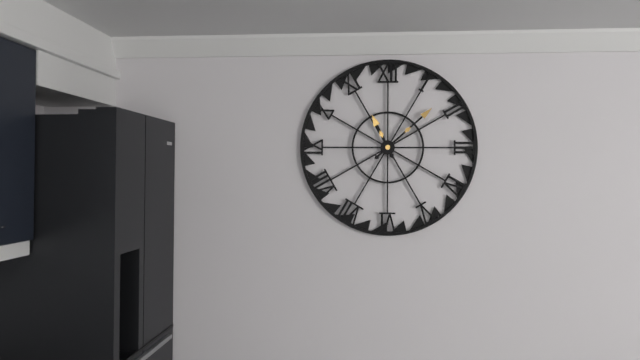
{"hour": 11, "minute": 8}
